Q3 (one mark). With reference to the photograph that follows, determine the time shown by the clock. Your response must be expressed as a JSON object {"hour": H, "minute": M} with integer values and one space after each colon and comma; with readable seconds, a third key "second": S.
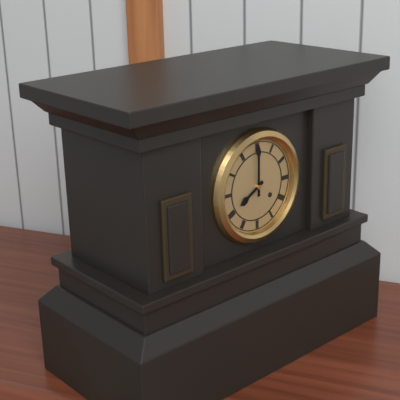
{"hour": 8, "minute": 0}
